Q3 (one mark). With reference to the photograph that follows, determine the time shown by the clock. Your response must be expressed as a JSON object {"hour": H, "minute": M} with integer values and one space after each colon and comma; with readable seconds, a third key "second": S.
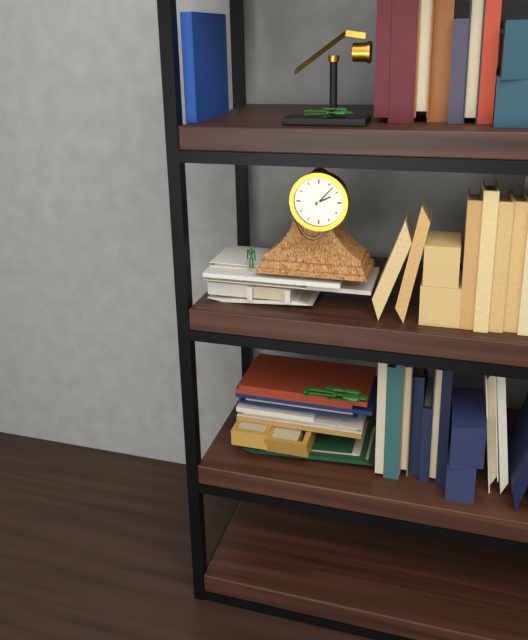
{"hour": 2, "minute": 7}
